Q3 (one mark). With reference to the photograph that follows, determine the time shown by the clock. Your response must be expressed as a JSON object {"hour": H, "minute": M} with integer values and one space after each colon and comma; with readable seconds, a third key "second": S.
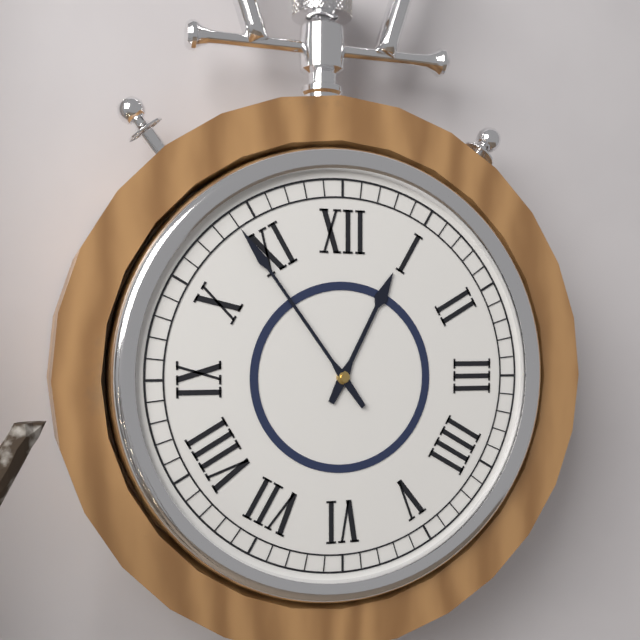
{"hour": 12, "minute": 54}
